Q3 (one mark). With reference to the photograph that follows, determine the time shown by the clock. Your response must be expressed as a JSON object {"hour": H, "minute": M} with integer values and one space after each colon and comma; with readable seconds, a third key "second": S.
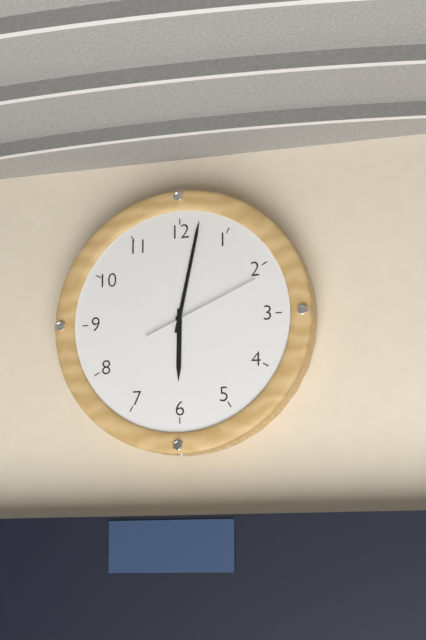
{"hour": 6, "minute": 2, "second": 11}
